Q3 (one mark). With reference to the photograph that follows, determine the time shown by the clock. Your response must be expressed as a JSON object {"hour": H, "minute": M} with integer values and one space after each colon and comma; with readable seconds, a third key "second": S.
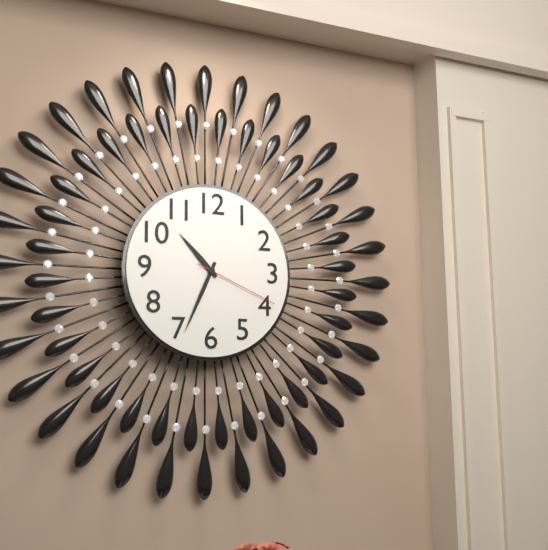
{"hour": 10, "minute": 34, "second": 19}
